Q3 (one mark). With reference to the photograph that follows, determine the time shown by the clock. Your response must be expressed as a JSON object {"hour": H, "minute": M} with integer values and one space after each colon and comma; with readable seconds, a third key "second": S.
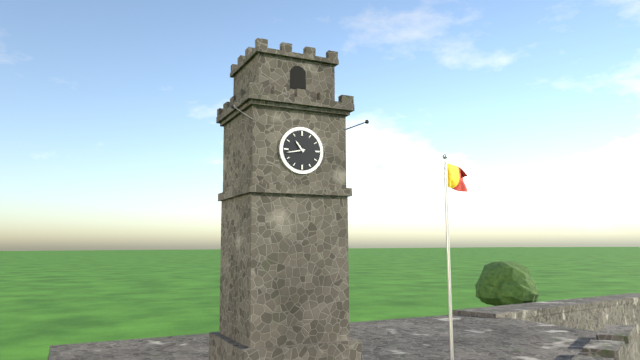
{"hour": 10, "minute": 43}
